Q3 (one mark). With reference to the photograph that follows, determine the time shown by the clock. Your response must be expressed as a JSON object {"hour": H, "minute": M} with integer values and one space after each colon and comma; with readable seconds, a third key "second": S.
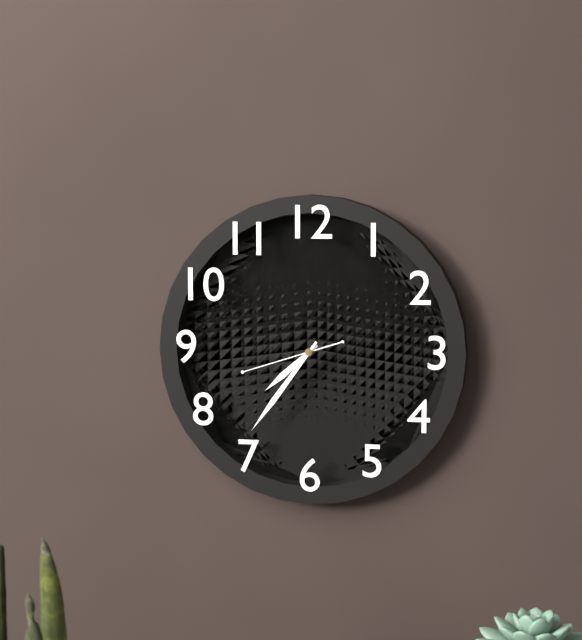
{"hour": 7, "minute": 36, "second": 42}
